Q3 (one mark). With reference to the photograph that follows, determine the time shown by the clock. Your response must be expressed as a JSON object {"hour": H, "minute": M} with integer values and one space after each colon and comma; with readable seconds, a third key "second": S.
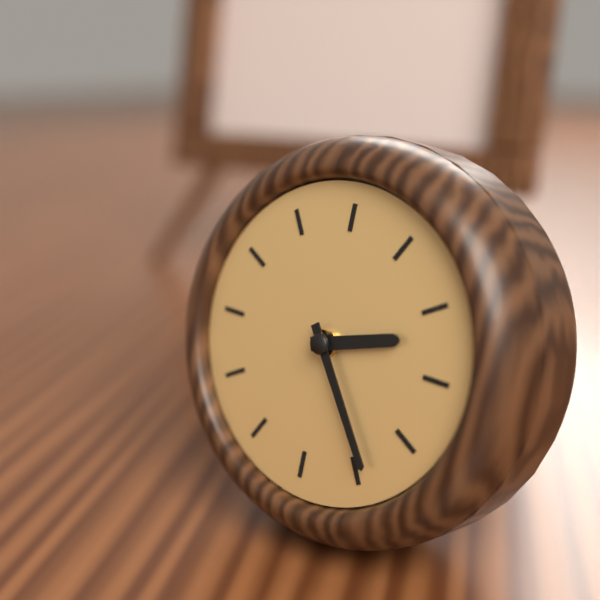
{"hour": 2, "minute": 24}
